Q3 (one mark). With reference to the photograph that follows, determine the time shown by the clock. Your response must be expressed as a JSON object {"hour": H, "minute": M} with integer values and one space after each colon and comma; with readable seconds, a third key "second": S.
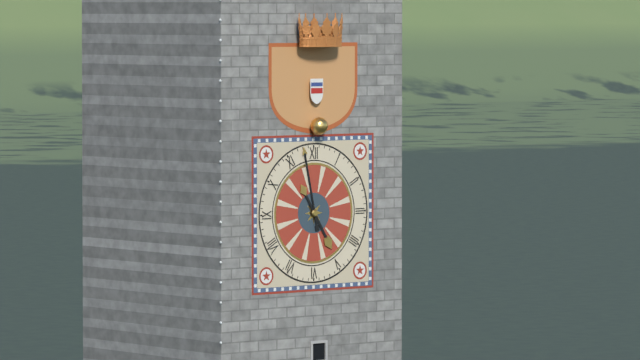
{"hour": 4, "minute": 58}
